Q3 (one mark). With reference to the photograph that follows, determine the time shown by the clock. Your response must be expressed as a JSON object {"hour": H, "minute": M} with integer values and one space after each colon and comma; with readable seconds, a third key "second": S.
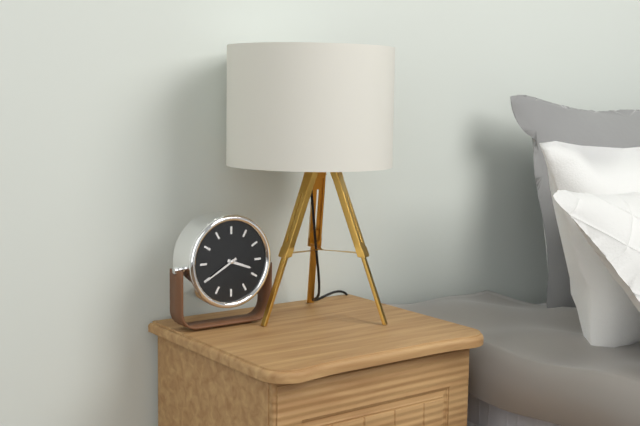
{"hour": 3, "minute": 40}
